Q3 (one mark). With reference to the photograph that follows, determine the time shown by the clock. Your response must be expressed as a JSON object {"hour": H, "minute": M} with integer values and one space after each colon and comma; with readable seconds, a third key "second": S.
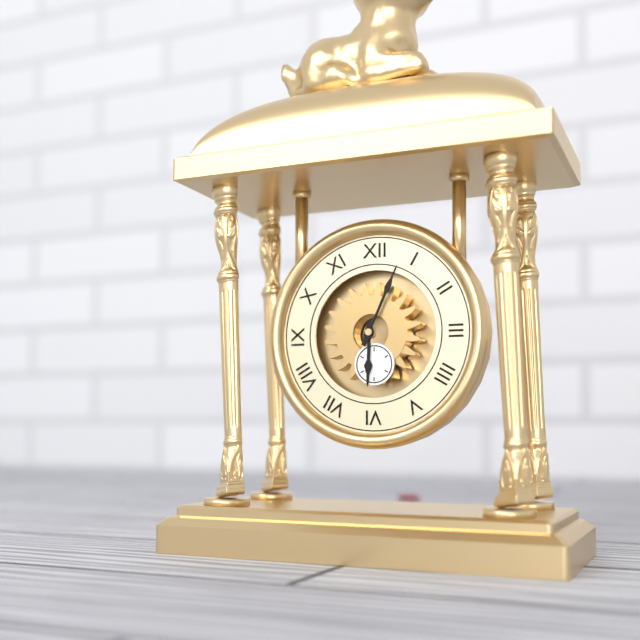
{"hour": 6, "minute": 4}
